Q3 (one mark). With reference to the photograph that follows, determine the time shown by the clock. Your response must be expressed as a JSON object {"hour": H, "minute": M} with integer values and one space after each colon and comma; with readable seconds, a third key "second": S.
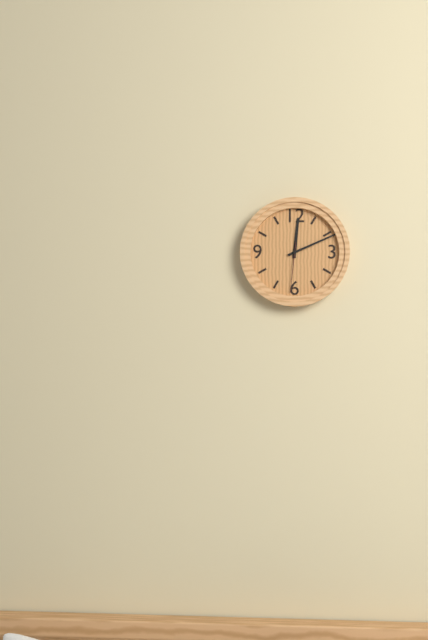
{"hour": 12, "minute": 11, "second": 31}
